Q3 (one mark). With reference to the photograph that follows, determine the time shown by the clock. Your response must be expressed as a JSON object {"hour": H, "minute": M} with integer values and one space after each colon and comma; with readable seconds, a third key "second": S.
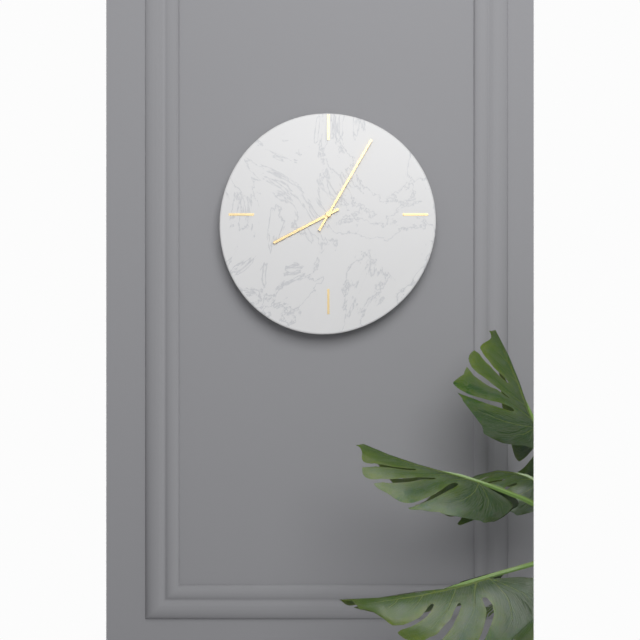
{"hour": 8, "minute": 5}
